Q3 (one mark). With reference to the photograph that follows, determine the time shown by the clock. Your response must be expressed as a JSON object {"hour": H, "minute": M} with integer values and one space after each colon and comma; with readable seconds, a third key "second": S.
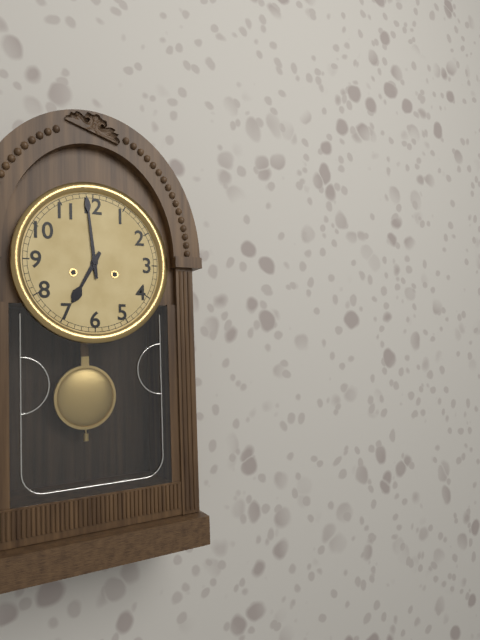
{"hour": 6, "minute": 59}
